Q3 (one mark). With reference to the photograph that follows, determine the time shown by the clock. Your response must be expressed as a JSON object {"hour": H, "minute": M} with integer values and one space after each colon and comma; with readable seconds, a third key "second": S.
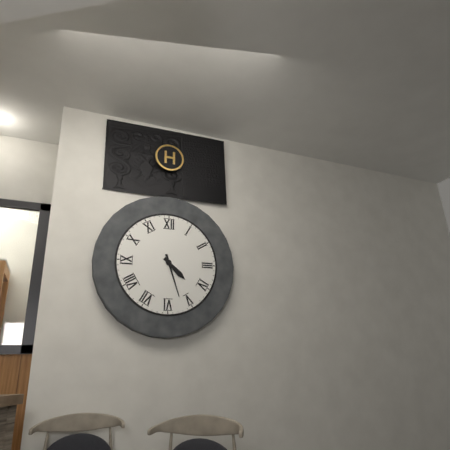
{"hour": 4, "minute": 27}
